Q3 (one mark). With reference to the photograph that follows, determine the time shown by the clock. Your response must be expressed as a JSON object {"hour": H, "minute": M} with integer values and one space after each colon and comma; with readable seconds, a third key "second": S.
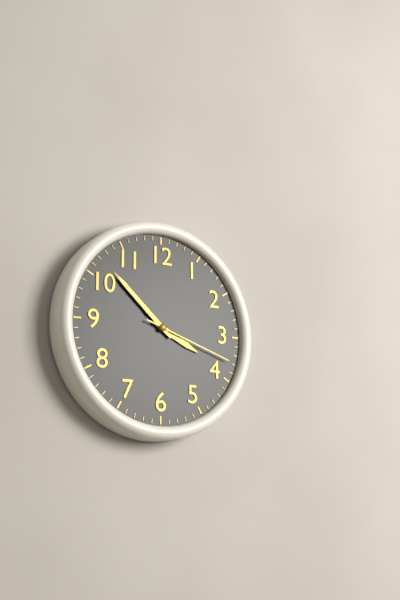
{"hour": 3, "minute": 52, "second": 18}
